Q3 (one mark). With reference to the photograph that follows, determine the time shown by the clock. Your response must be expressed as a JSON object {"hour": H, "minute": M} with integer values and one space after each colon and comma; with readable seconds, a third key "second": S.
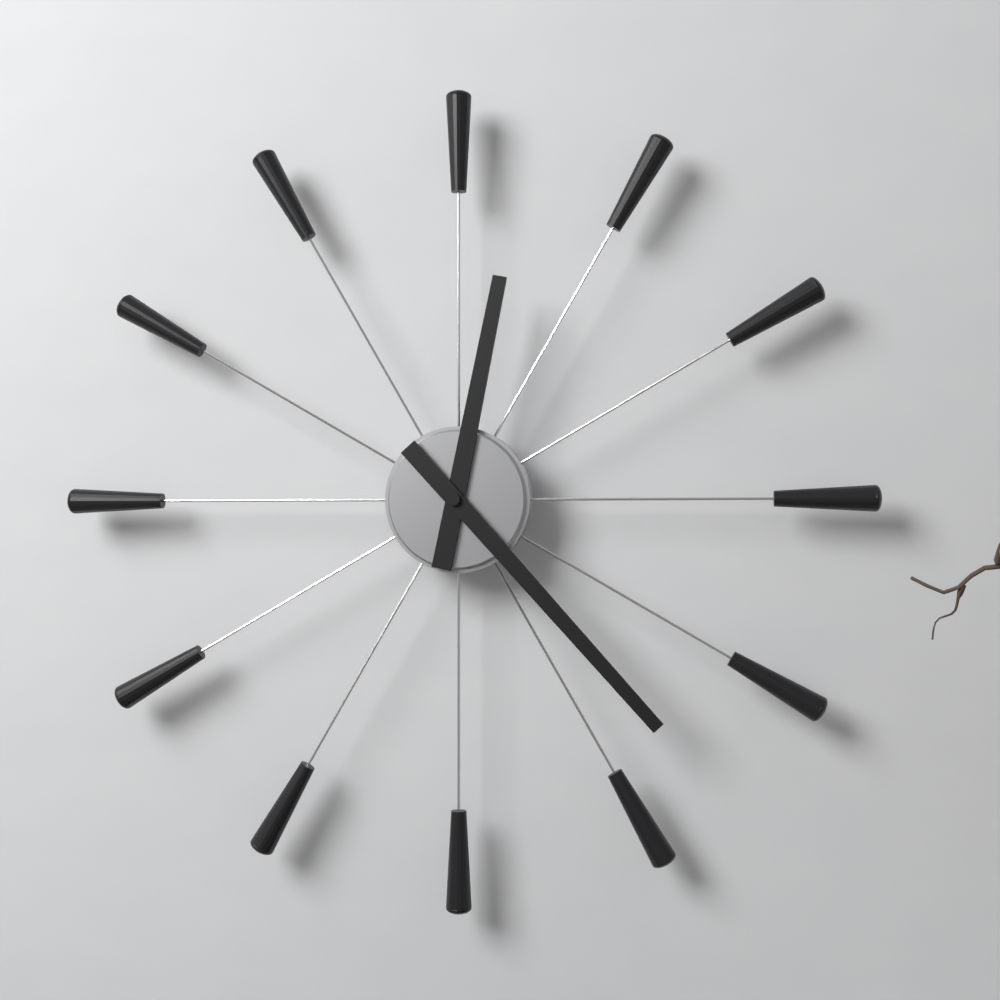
{"hour": 12, "minute": 23}
